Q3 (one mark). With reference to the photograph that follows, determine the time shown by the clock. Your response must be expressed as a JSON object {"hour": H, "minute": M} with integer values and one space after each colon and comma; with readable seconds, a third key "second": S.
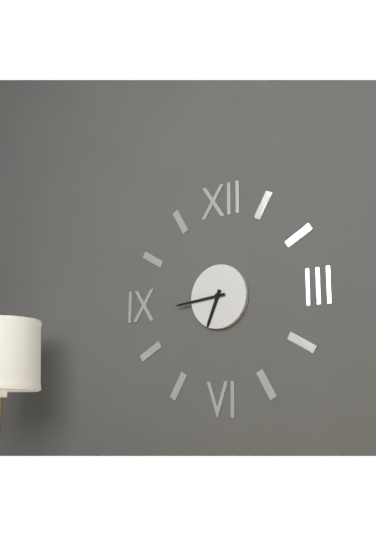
{"hour": 6, "minute": 44}
